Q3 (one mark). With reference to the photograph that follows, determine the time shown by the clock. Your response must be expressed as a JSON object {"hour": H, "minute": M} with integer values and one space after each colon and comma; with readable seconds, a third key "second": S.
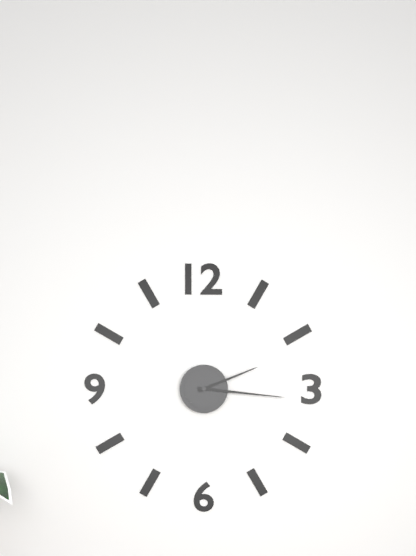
{"hour": 2, "minute": 16}
